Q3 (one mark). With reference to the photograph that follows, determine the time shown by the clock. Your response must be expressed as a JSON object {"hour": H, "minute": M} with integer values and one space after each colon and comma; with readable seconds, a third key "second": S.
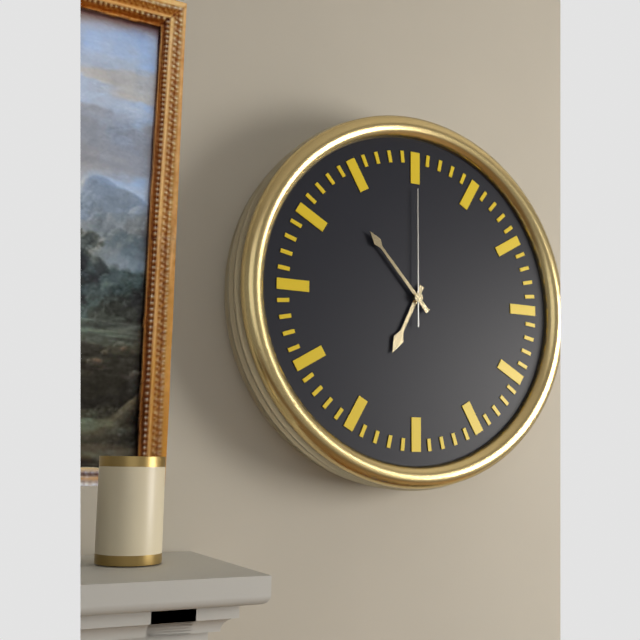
{"hour": 6, "minute": 53, "second": 0}
